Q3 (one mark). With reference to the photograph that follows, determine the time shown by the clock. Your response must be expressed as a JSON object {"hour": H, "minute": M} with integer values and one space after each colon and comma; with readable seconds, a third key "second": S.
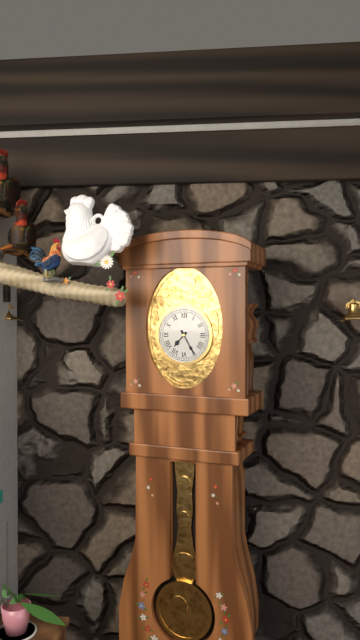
{"hour": 7, "minute": 25}
